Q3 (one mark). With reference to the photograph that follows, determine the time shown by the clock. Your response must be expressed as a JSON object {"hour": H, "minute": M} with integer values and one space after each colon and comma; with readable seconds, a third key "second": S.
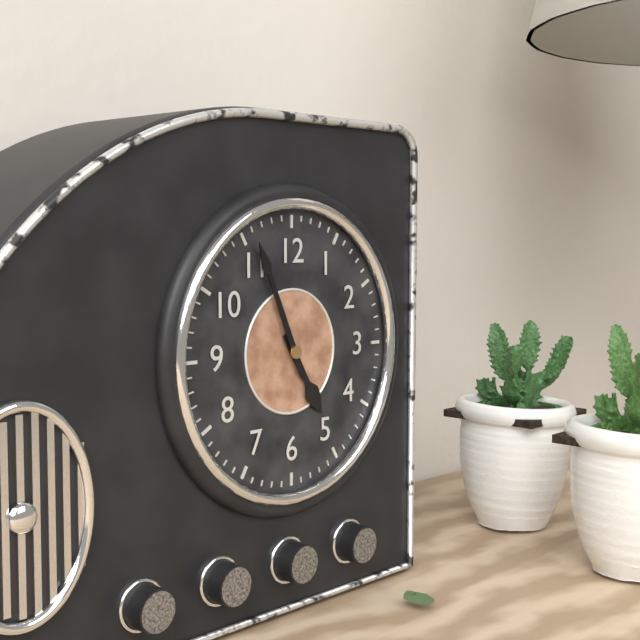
{"hour": 4, "minute": 56}
